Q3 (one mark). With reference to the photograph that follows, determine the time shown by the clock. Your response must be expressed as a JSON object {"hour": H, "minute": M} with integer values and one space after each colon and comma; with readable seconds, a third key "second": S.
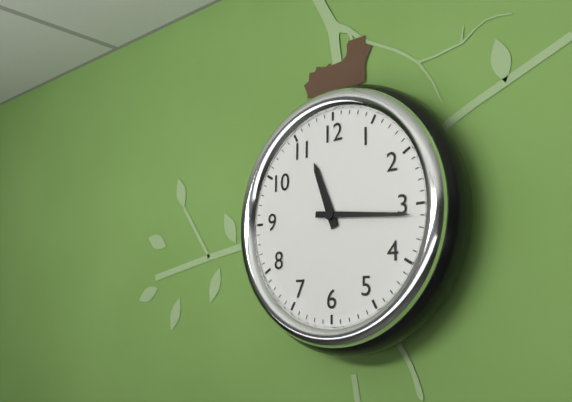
{"hour": 11, "minute": 16}
